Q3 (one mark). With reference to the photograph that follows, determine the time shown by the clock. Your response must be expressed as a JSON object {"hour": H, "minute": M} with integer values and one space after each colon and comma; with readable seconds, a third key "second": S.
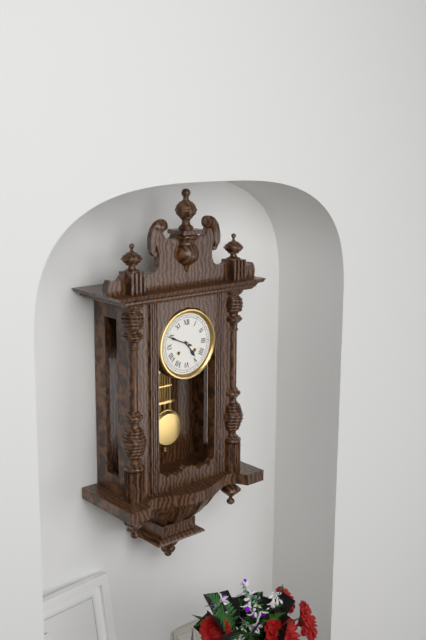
{"hour": 4, "minute": 49}
